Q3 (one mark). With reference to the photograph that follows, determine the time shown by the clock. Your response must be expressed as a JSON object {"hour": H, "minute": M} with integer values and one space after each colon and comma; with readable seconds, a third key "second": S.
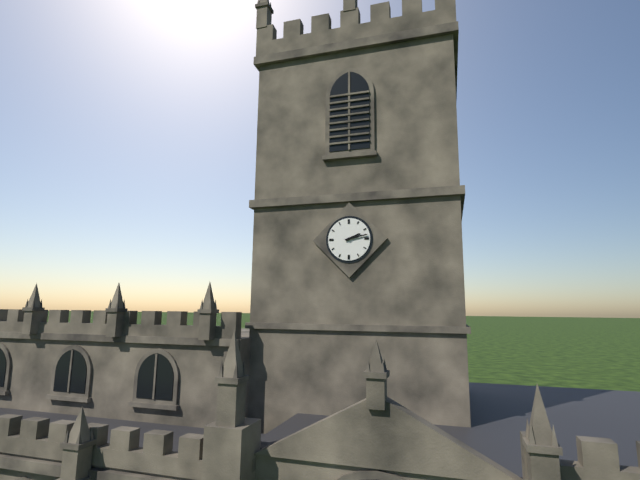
{"hour": 2, "minute": 13}
